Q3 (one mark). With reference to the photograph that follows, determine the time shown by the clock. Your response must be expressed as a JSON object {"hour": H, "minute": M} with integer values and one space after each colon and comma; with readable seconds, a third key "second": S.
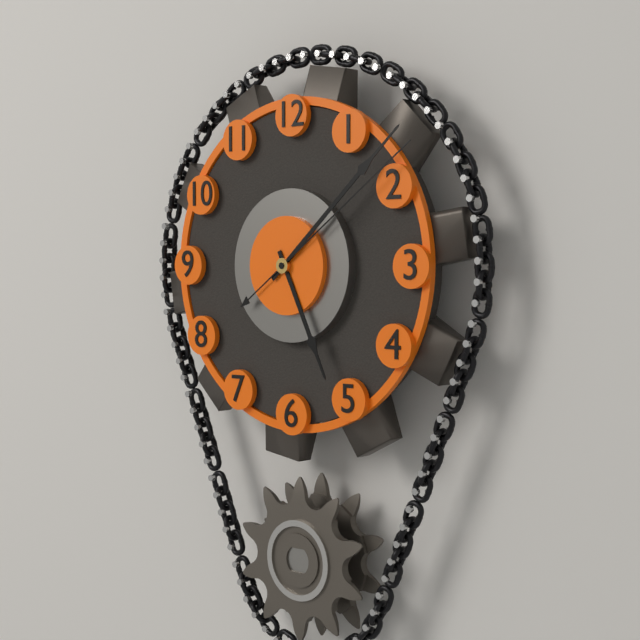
{"hour": 5, "minute": 8, "second": 9}
